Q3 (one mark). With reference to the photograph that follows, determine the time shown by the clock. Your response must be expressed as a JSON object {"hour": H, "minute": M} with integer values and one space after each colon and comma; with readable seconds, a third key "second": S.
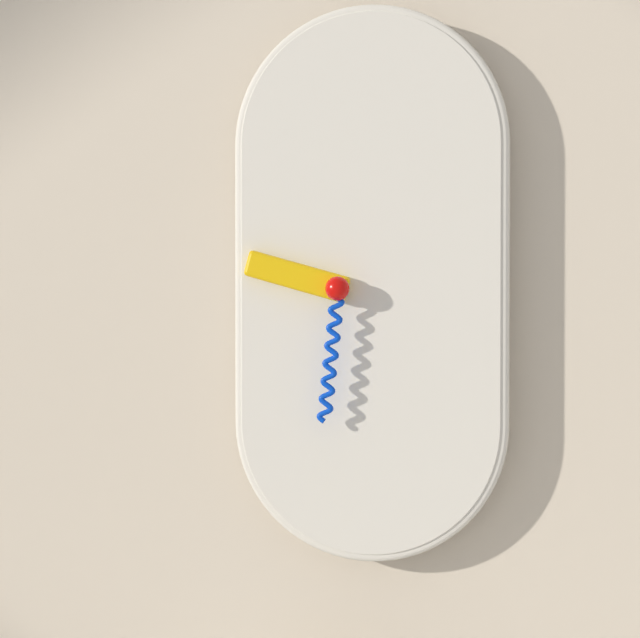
{"hour": 9, "minute": 31}
